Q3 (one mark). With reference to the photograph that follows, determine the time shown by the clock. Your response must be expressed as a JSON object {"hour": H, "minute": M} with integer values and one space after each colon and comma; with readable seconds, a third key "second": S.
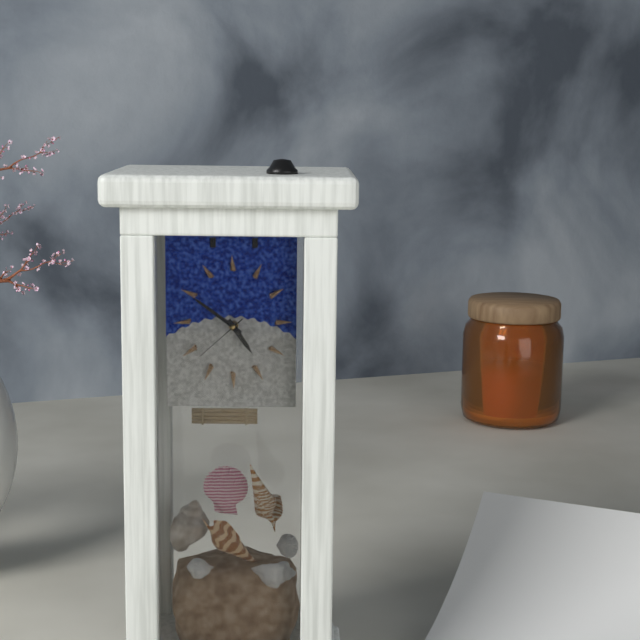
{"hour": 4, "minute": 51, "second": 38}
